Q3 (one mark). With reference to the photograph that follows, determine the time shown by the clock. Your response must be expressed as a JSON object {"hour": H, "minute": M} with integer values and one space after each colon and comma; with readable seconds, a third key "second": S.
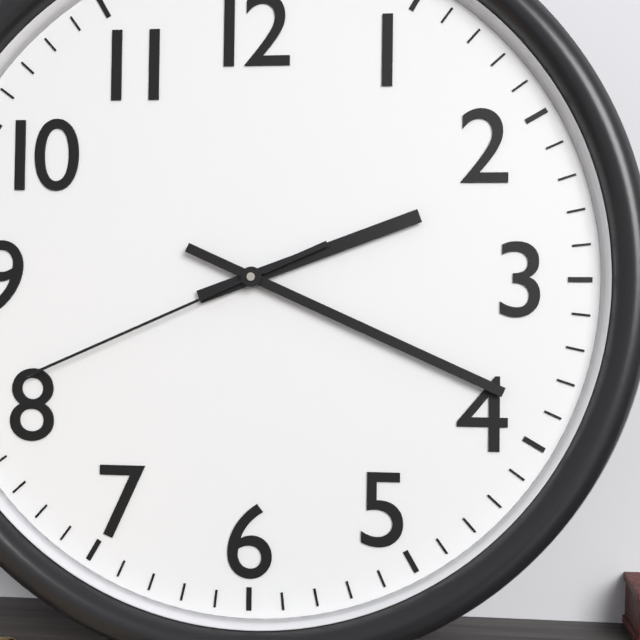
{"hour": 2, "minute": 19, "second": 41}
